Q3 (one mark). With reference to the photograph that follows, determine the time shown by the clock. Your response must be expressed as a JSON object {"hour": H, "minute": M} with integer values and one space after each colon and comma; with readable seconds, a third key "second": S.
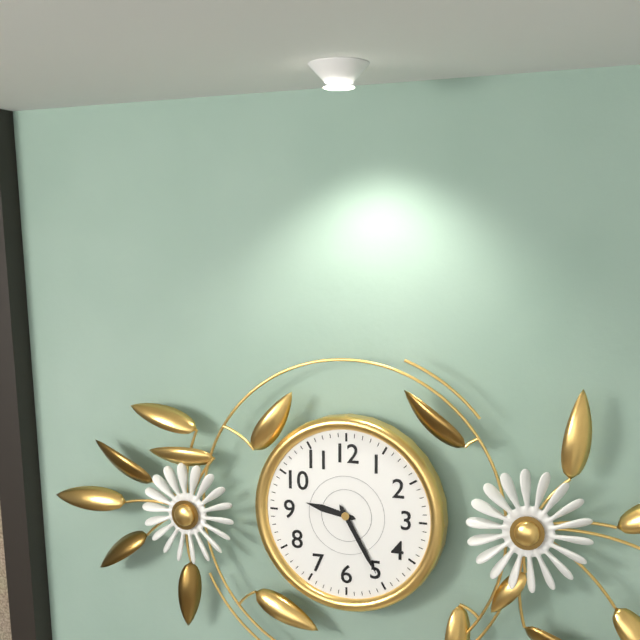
{"hour": 9, "minute": 25}
